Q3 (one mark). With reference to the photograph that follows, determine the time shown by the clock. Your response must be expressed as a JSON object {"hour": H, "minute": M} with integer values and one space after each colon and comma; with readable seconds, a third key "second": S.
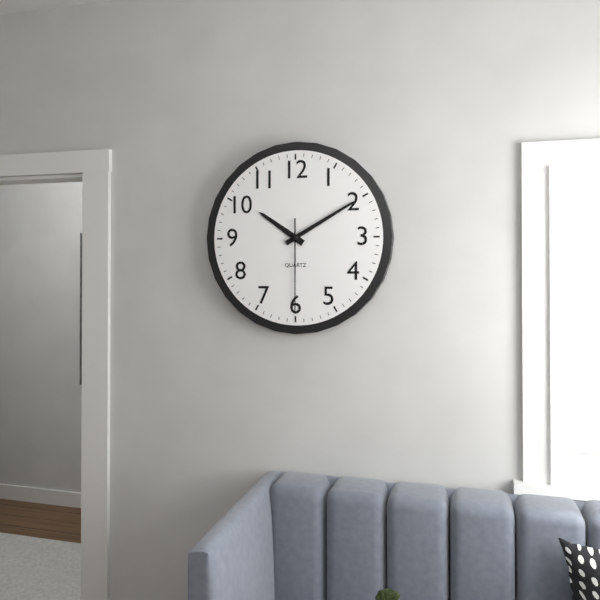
{"hour": 10, "minute": 10, "second": 30}
